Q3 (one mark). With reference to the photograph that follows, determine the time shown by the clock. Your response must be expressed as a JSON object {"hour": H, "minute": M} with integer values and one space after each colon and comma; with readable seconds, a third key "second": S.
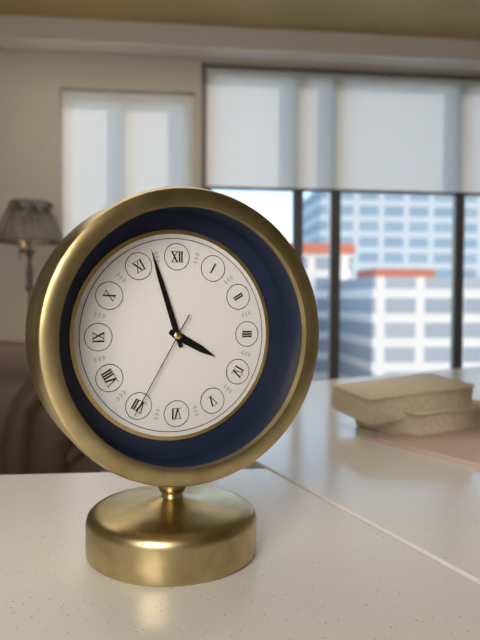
{"hour": 3, "minute": 57, "second": 35}
